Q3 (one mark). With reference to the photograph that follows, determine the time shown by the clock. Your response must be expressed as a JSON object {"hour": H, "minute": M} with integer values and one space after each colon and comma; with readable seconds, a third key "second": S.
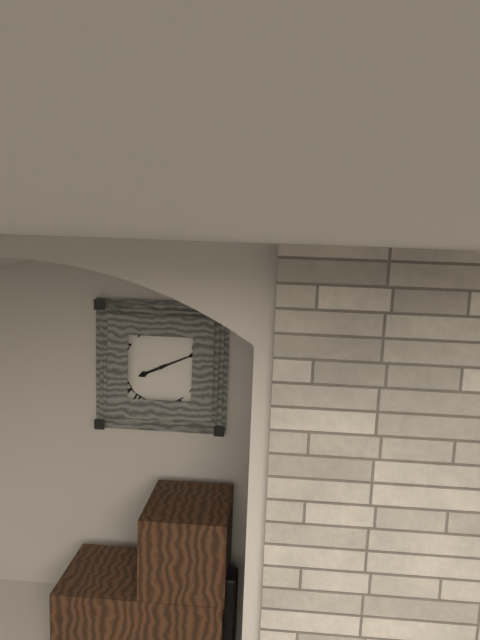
{"hour": 8, "minute": 11}
